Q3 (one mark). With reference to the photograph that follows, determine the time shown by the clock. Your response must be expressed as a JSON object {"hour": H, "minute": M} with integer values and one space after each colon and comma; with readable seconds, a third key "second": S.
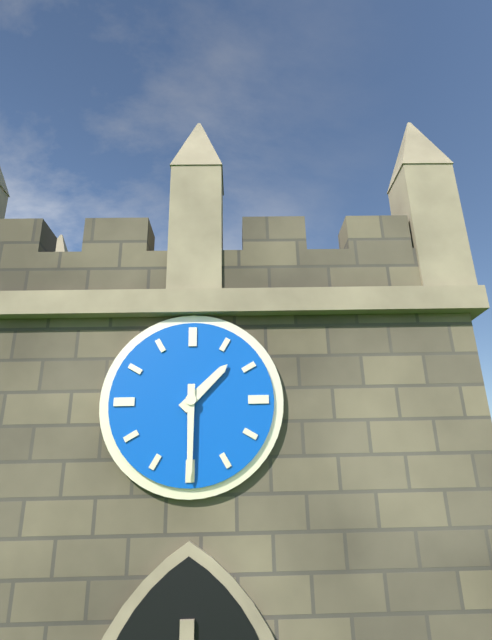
{"hour": 1, "minute": 30}
